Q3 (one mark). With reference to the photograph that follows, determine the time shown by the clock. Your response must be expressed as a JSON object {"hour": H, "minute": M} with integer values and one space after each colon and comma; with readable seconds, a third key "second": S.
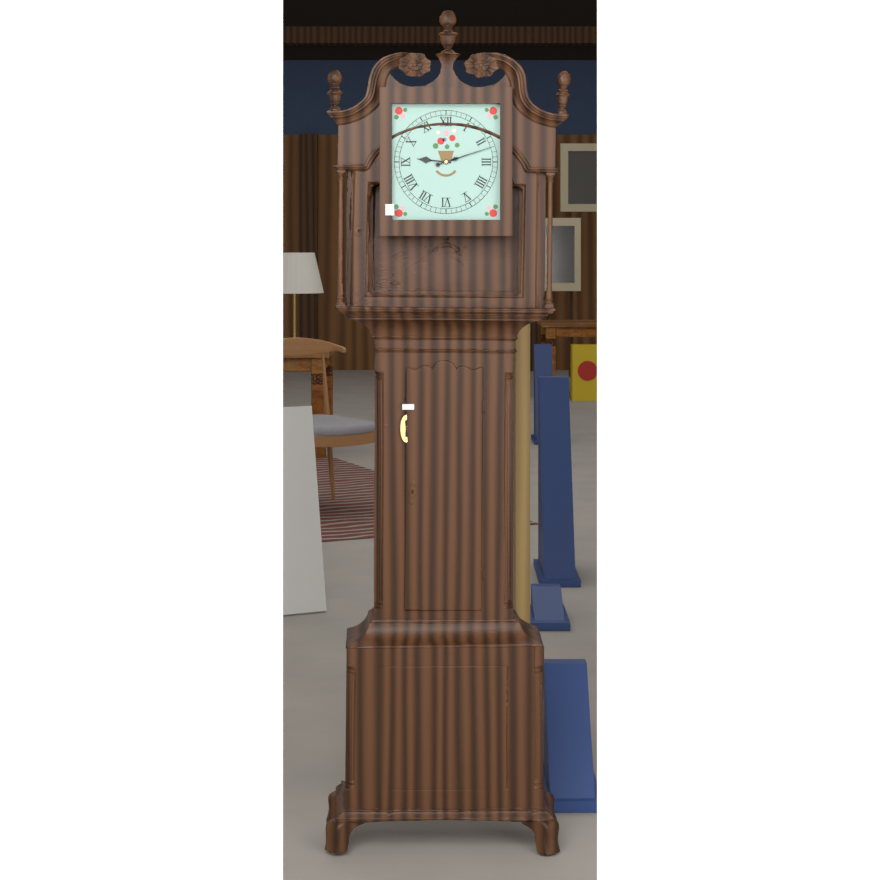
{"hour": 9, "minute": 12}
